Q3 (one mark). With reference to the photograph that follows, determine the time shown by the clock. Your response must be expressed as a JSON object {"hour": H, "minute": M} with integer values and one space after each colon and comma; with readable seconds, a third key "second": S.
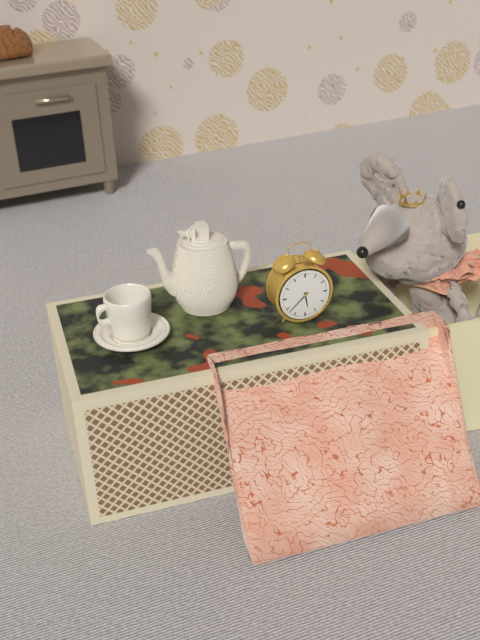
{"hour": 5, "minute": 38}
